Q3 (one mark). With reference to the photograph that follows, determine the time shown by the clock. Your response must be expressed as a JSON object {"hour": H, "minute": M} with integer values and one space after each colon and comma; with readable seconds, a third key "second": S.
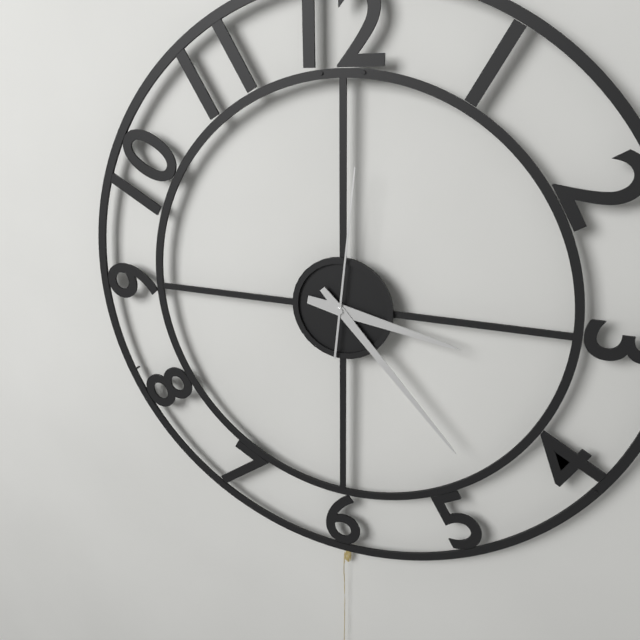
{"hour": 3, "minute": 23, "second": 1}
